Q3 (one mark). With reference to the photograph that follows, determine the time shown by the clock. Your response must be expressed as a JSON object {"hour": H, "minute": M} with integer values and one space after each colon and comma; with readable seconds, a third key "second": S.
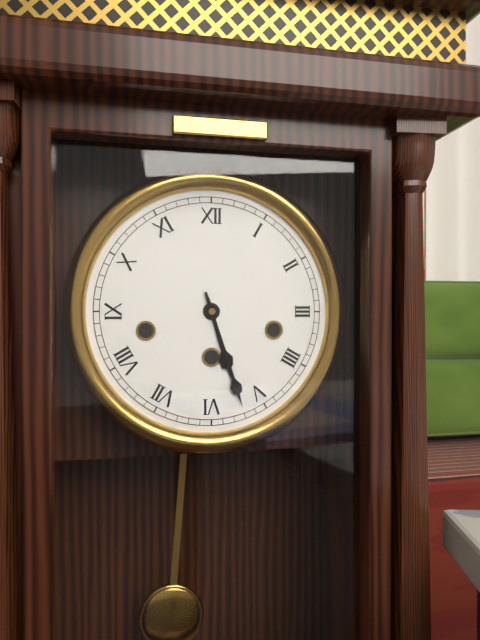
{"hour": 5, "minute": 27}
